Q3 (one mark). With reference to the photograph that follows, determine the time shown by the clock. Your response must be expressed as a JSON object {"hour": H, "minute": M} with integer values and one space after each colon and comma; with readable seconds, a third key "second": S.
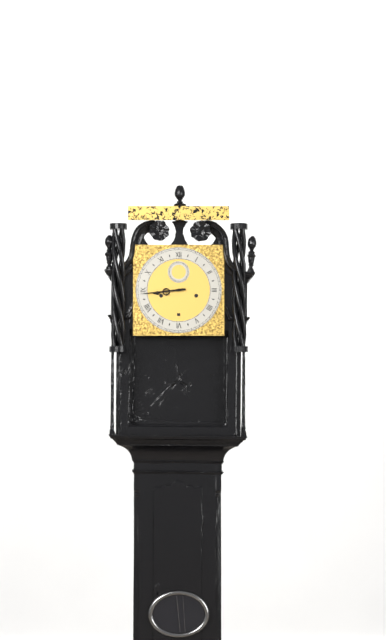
{"hour": 8, "minute": 44}
